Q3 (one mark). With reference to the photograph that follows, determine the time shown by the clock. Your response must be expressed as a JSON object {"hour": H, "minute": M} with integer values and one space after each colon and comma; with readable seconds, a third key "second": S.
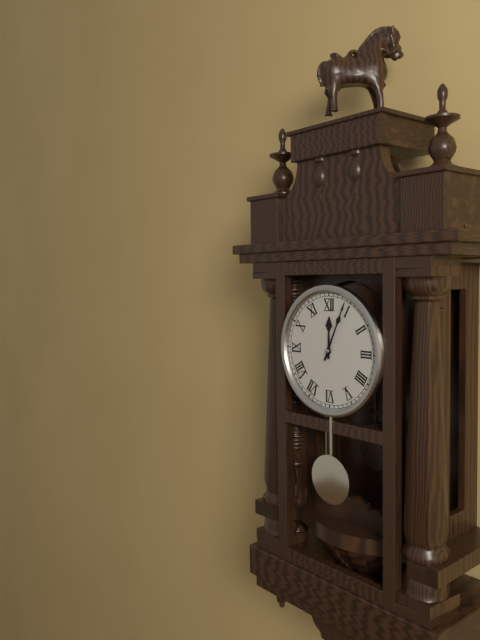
{"hour": 12, "minute": 4}
